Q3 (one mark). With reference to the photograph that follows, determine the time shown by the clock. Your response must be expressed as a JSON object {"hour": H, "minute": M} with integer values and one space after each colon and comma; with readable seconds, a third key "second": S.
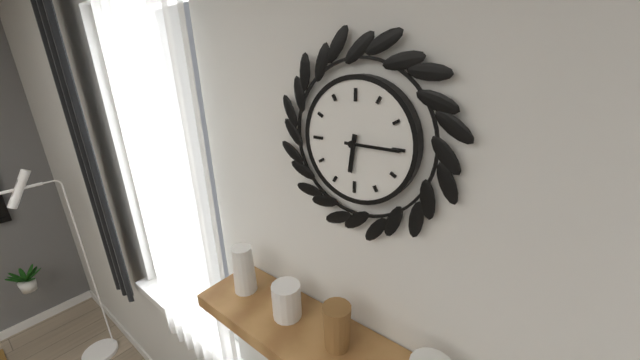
{"hour": 6, "minute": 15}
